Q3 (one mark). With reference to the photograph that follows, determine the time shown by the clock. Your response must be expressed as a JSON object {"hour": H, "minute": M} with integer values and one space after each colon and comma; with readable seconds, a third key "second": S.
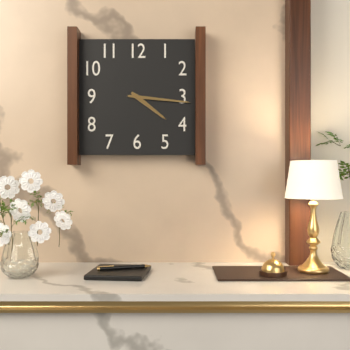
{"hour": 4, "minute": 16}
